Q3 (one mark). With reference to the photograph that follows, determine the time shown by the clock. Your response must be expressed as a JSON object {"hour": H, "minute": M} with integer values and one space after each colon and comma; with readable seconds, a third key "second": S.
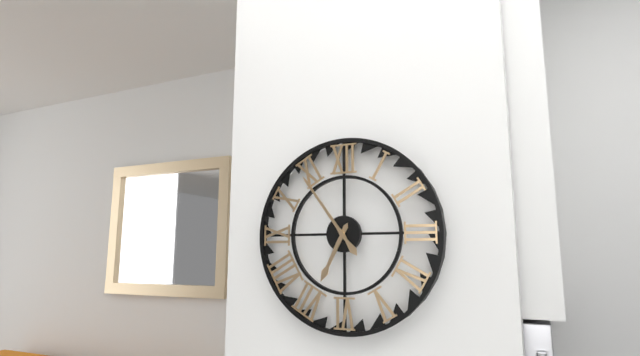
{"hour": 6, "minute": 54}
